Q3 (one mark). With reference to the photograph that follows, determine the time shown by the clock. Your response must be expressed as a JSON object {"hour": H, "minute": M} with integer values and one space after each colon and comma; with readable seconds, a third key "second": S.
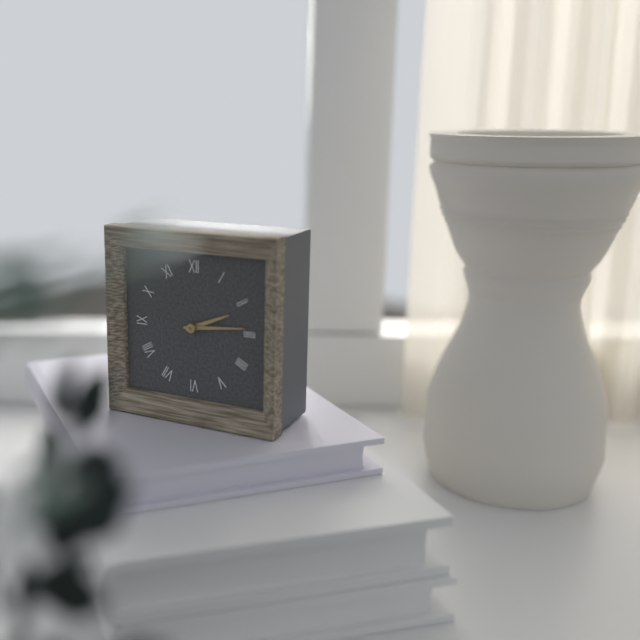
{"hour": 2, "minute": 14}
